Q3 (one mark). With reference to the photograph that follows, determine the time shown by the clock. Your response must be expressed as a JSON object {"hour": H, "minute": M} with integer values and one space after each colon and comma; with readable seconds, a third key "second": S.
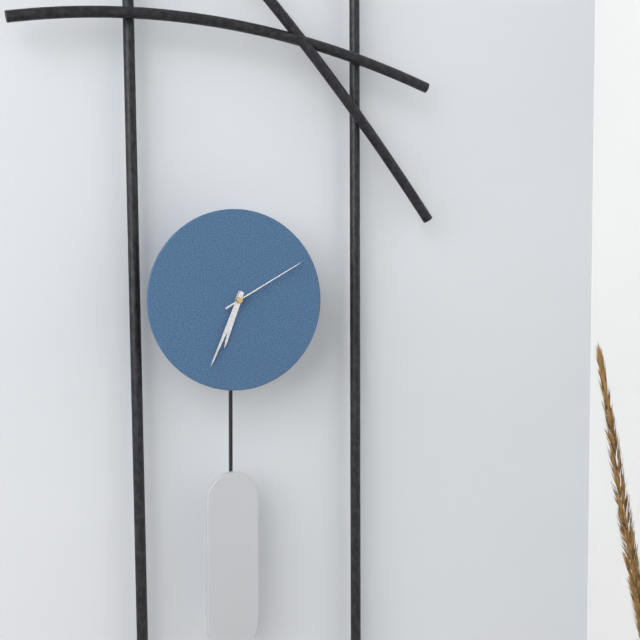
{"hour": 6, "minute": 34, "second": 10}
